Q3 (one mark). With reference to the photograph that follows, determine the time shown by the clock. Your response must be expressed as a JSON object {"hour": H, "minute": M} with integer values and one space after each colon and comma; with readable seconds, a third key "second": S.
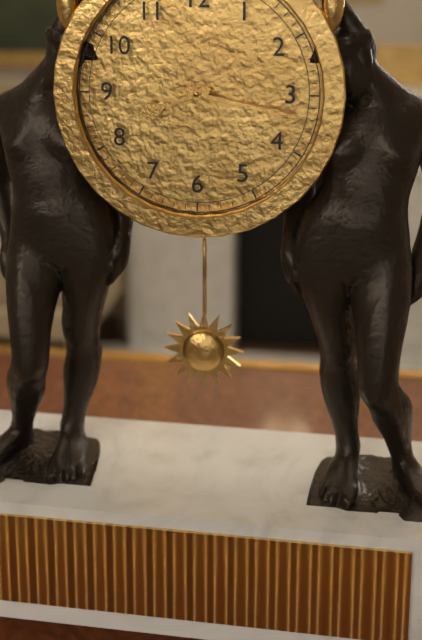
{"hour": 8, "minute": 17}
